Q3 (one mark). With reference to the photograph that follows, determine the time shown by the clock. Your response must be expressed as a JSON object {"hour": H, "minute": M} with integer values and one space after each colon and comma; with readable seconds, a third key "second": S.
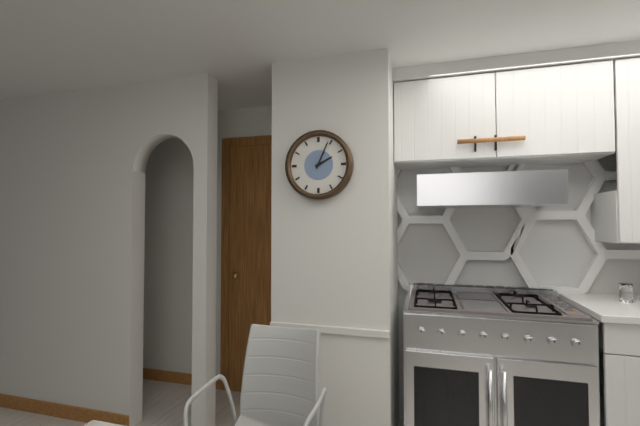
{"hour": 2, "minute": 4}
